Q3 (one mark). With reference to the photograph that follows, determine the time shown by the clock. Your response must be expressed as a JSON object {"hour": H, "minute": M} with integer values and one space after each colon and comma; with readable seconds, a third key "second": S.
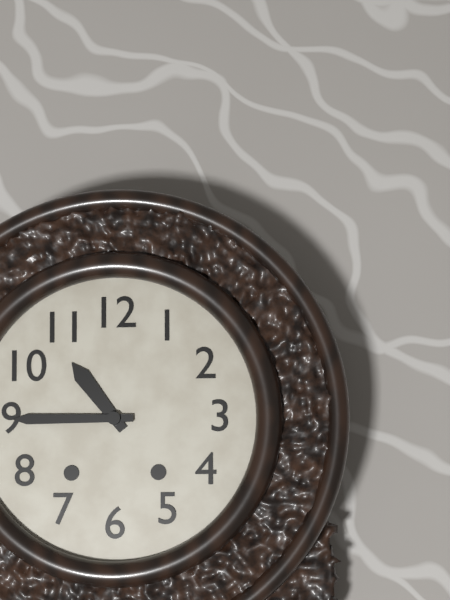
{"hour": 10, "minute": 45}
